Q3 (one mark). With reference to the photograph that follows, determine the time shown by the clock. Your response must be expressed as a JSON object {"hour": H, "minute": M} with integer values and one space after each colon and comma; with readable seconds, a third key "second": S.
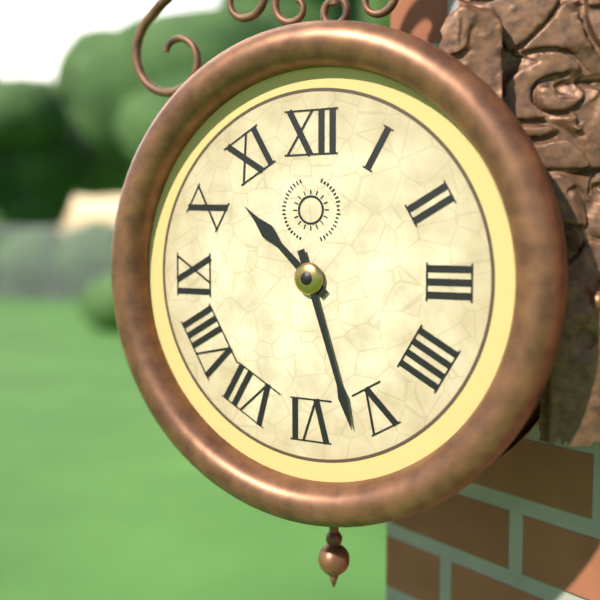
{"hour": 10, "minute": 27}
